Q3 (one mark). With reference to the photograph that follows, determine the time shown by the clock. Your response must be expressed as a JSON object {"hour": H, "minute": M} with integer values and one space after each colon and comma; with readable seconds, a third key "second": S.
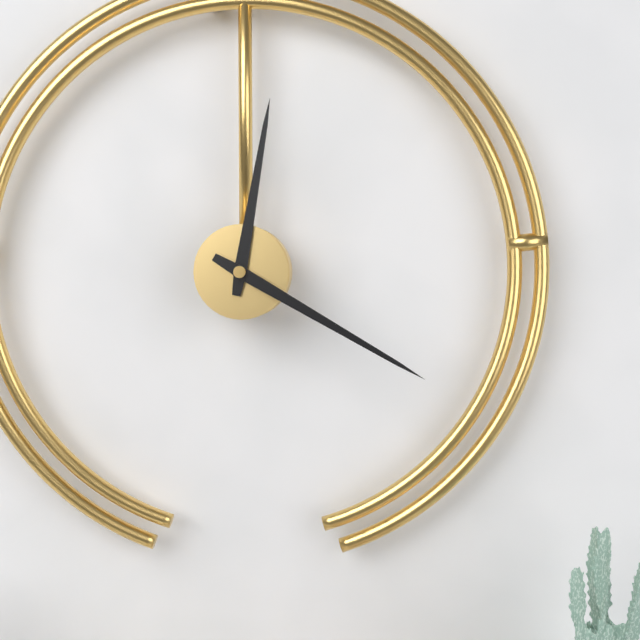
{"hour": 12, "minute": 20}
